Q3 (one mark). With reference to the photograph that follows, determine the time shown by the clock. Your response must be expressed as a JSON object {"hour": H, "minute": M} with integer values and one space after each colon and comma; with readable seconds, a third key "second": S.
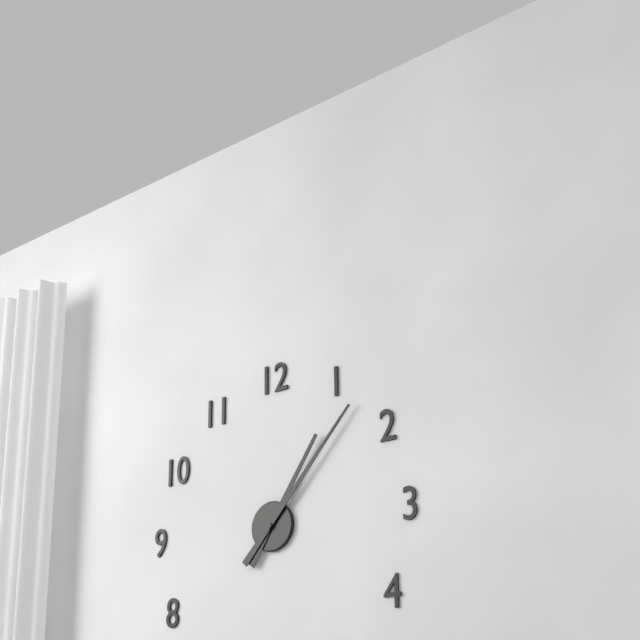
{"hour": 1, "minute": 7}
